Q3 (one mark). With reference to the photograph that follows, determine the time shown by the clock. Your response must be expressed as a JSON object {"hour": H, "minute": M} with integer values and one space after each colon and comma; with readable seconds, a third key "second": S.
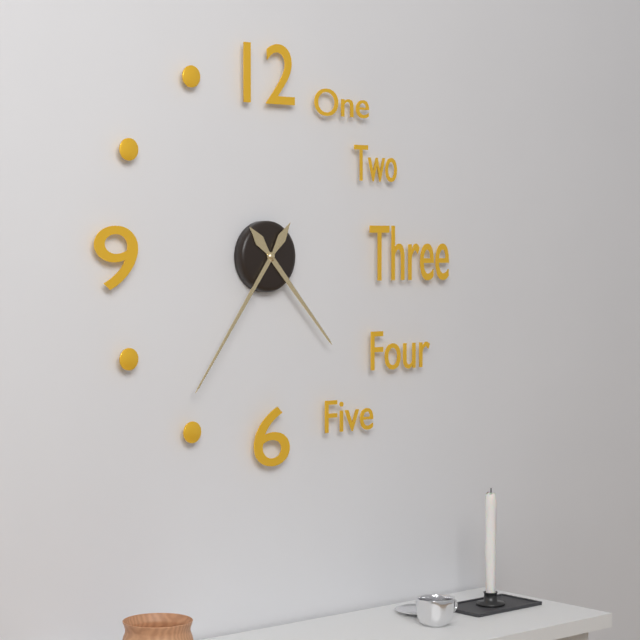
{"hour": 4, "minute": 36}
